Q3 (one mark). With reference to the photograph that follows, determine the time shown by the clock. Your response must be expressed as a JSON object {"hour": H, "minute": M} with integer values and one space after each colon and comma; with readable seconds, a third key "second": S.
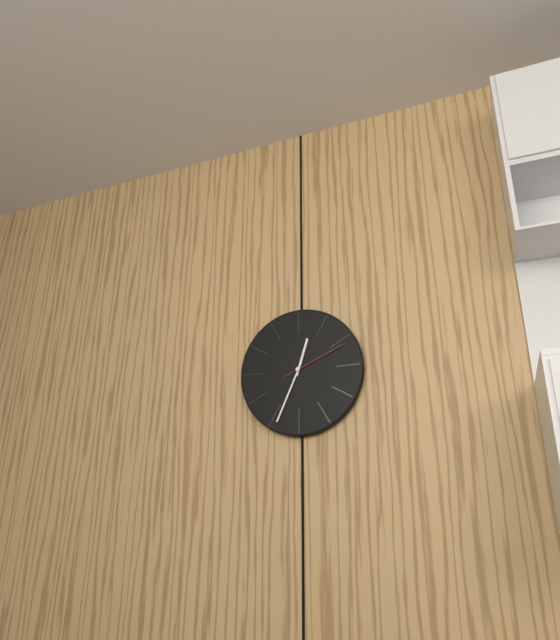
{"hour": 12, "minute": 34, "second": 11}
